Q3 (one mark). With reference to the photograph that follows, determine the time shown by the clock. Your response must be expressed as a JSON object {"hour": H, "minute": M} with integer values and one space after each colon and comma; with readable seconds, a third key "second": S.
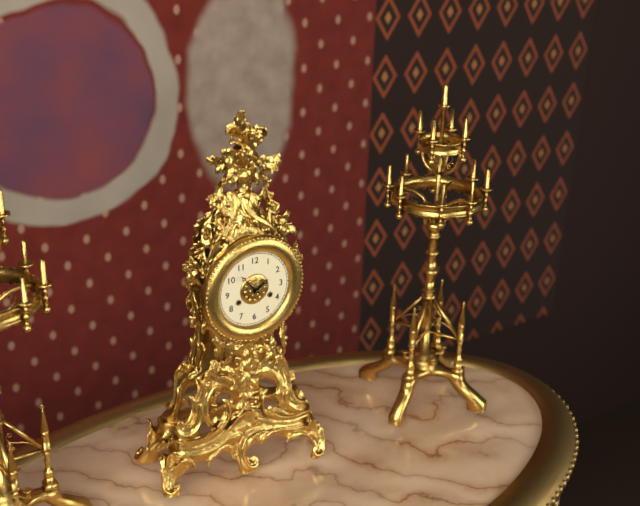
{"hour": 1, "minute": 53}
